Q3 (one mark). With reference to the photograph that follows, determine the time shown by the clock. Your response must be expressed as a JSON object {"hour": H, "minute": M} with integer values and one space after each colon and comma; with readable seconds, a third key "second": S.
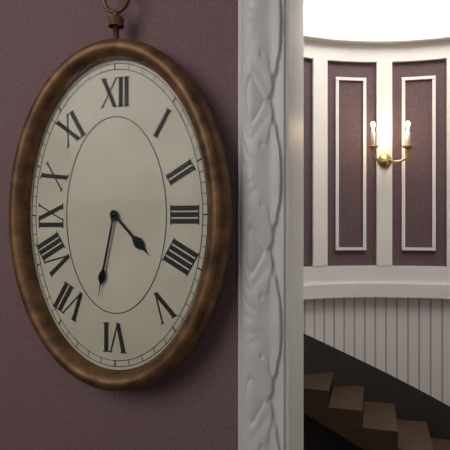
{"hour": 4, "minute": 32}
